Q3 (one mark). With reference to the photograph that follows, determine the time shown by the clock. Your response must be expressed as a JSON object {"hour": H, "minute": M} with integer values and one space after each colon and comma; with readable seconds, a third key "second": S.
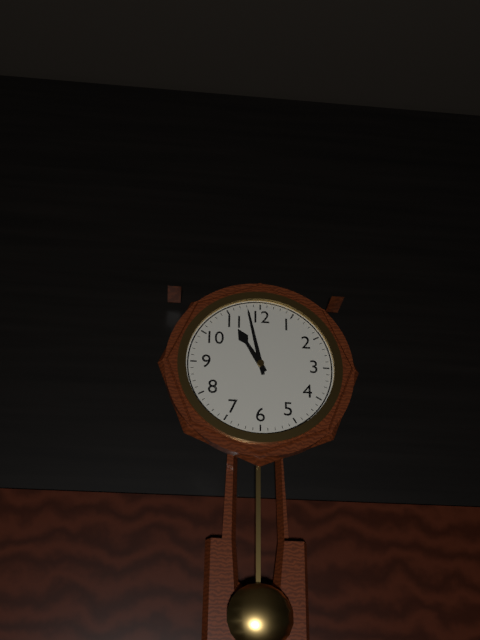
{"hour": 10, "minute": 58}
